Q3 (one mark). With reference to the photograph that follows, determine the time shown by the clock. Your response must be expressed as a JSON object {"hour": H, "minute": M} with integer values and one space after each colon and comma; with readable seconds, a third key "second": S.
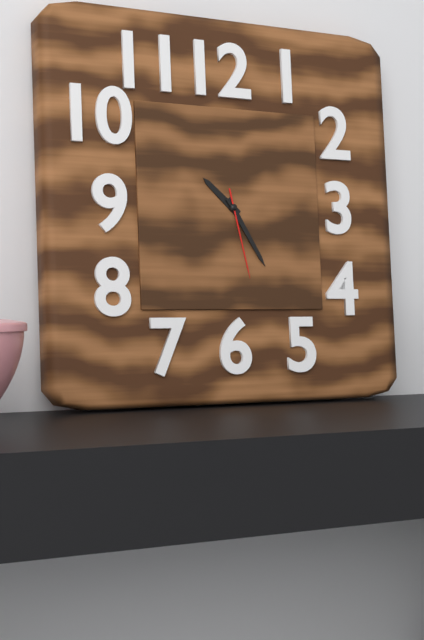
{"hour": 10, "minute": 25, "second": 28}
